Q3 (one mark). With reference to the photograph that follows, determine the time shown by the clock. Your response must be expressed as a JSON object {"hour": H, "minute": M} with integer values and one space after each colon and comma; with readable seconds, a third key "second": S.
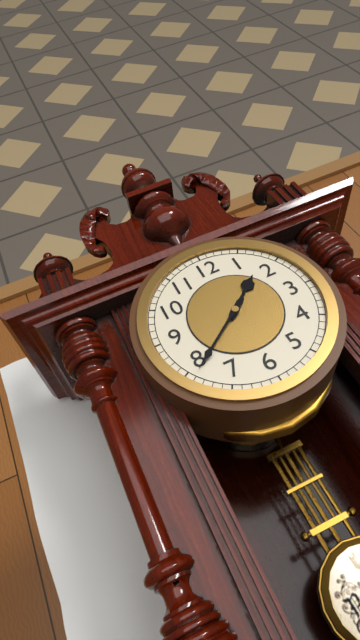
{"hour": 1, "minute": 39}
